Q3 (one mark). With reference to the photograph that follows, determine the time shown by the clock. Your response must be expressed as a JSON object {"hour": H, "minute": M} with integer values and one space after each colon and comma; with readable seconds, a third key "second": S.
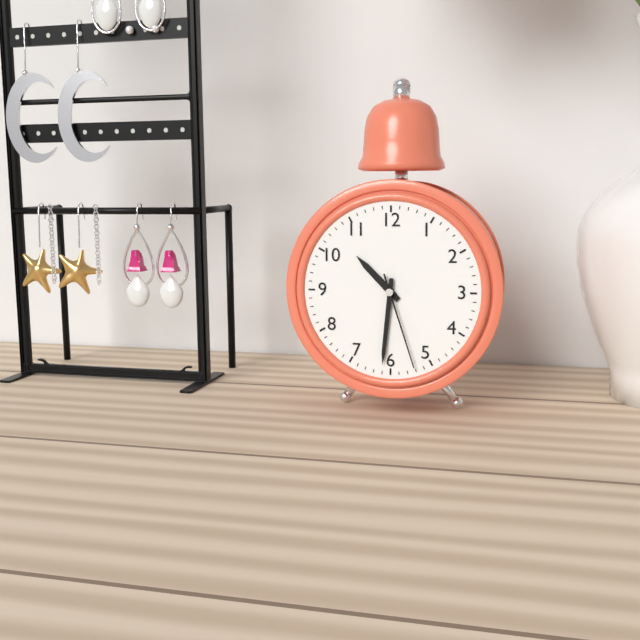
{"hour": 10, "minute": 31, "second": 27}
